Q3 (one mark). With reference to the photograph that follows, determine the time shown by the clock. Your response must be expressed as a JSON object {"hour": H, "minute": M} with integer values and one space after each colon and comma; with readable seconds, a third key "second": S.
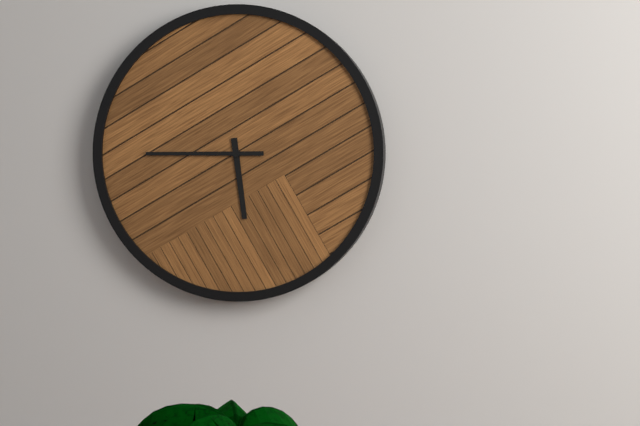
{"hour": 5, "minute": 45}
